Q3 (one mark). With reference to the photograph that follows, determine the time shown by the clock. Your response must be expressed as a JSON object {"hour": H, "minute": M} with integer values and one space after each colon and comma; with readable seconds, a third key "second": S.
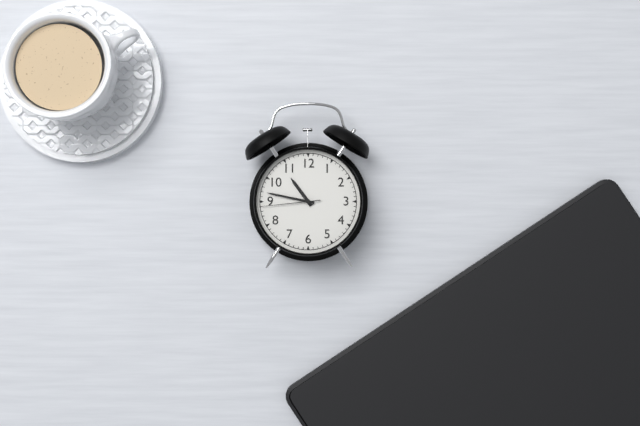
{"hour": 10, "minute": 47, "second": 44}
